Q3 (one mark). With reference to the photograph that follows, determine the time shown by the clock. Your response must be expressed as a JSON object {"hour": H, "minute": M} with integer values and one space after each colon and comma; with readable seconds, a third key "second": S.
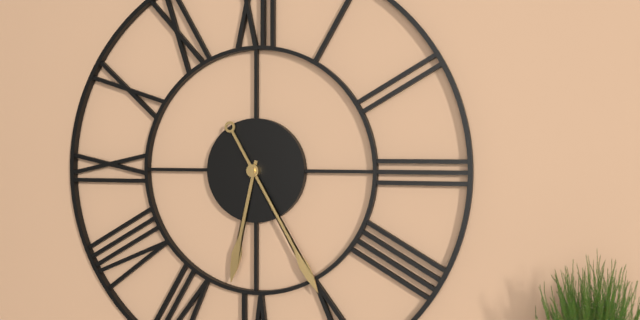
{"hour": 6, "minute": 25}
